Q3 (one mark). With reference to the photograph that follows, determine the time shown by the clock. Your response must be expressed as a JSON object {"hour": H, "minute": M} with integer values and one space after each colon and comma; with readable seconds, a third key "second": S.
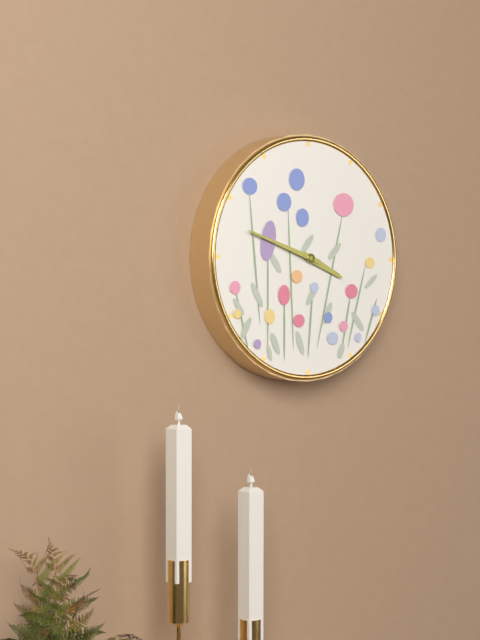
{"hour": 3, "minute": 48}
